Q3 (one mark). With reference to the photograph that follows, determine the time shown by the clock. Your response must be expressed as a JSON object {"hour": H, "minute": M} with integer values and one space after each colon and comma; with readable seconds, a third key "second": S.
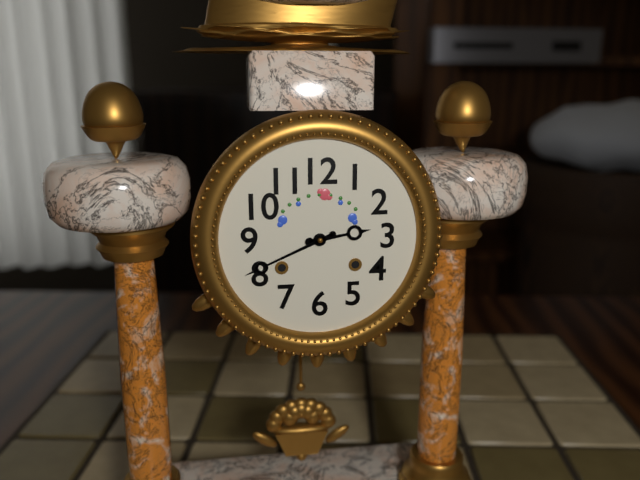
{"hour": 2, "minute": 41}
